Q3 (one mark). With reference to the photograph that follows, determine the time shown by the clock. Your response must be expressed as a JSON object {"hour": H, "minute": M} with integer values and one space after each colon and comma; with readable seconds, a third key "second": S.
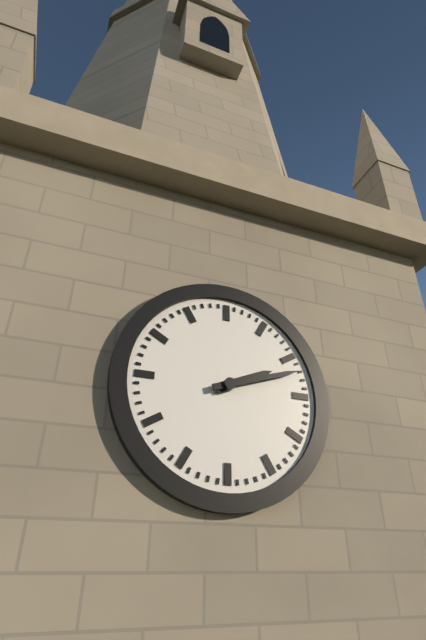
{"hour": 2, "minute": 12}
